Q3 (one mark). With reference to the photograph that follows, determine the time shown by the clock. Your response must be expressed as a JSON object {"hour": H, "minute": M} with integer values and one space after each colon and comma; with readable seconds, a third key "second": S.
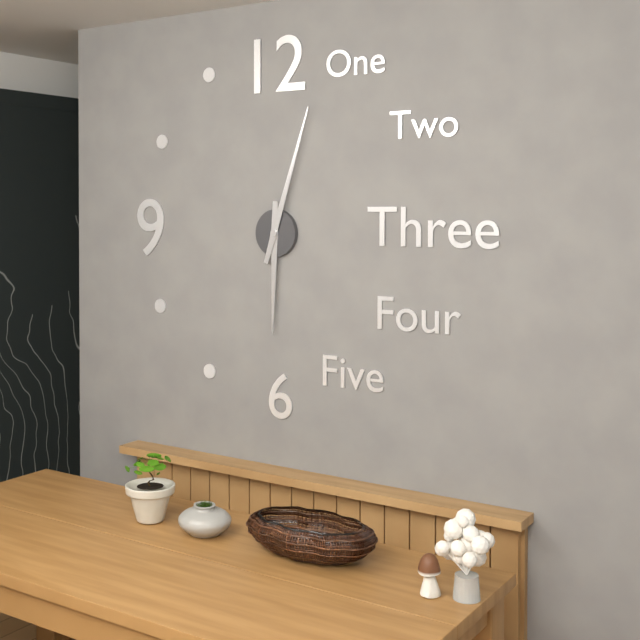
{"hour": 6, "minute": 3}
